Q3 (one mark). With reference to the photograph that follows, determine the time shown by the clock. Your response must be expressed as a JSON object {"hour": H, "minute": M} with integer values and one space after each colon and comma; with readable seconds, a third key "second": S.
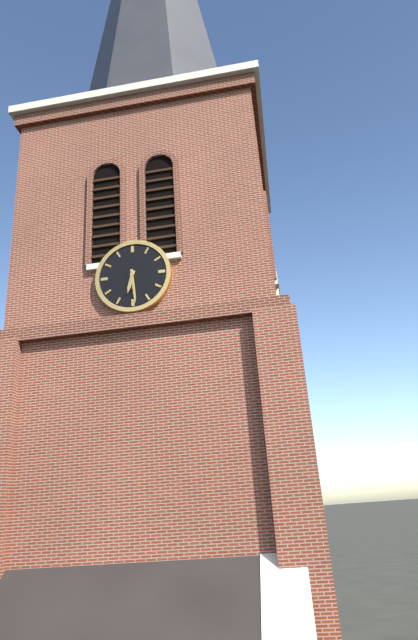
{"hour": 6, "minute": 29}
